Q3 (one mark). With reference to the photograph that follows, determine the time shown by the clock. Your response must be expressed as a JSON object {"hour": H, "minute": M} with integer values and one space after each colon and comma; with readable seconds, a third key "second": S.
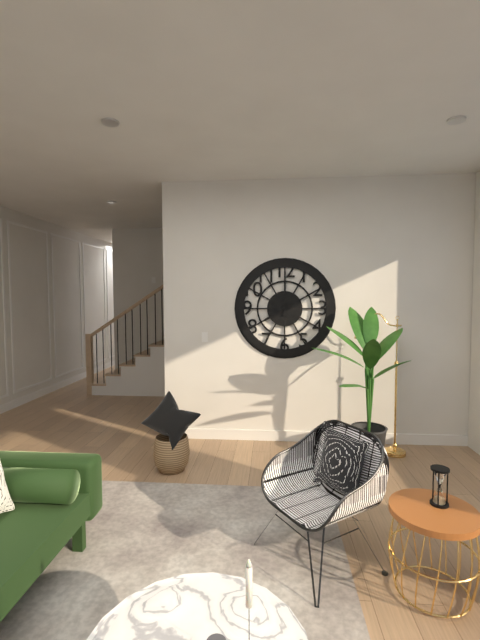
{"hour": 8, "minute": 0}
